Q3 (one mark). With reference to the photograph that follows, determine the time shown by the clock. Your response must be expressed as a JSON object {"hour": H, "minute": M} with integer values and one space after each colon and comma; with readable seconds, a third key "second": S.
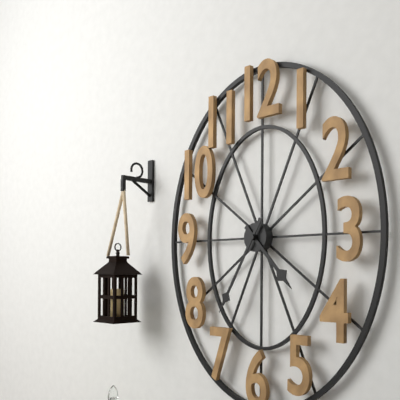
{"hour": 4, "minute": 35}
